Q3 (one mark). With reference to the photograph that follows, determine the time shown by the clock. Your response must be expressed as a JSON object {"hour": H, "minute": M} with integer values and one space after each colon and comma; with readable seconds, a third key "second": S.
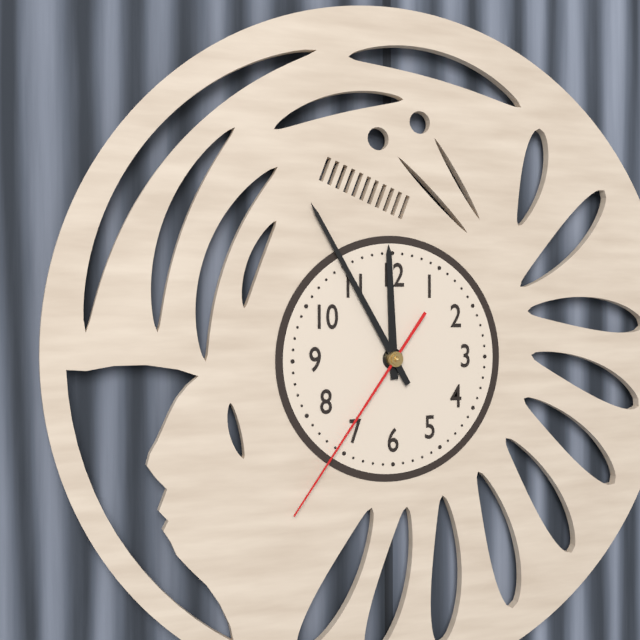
{"hour": 11, "minute": 55, "second": 36}
